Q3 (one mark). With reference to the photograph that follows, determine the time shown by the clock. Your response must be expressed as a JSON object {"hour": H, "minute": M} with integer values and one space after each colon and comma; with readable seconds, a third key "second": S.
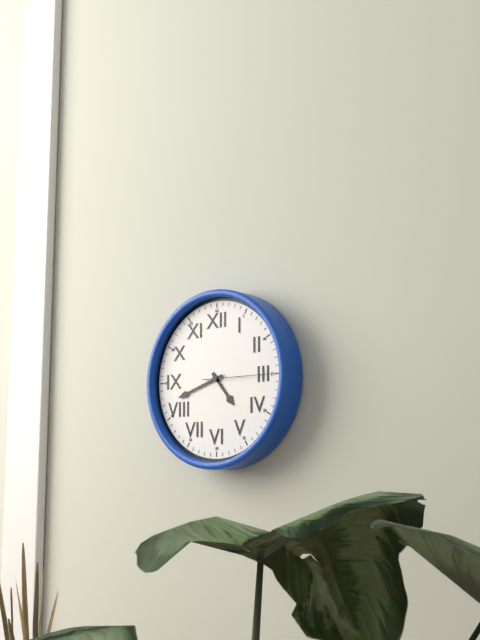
{"hour": 4, "minute": 42, "second": 15}
